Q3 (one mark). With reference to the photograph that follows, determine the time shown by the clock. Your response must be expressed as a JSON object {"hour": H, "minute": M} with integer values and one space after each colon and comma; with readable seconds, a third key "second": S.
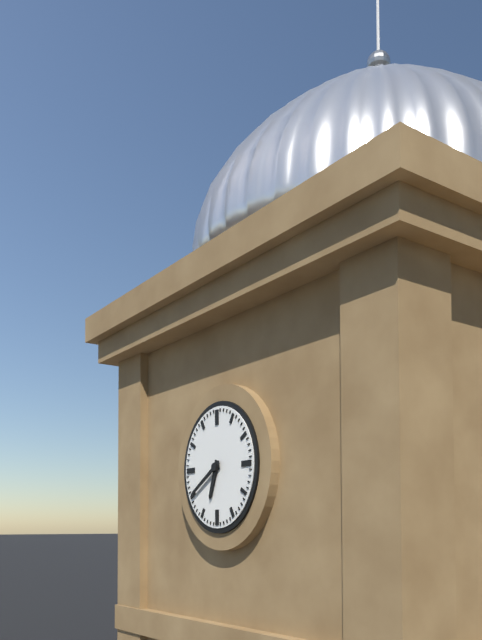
{"hour": 6, "minute": 40}
